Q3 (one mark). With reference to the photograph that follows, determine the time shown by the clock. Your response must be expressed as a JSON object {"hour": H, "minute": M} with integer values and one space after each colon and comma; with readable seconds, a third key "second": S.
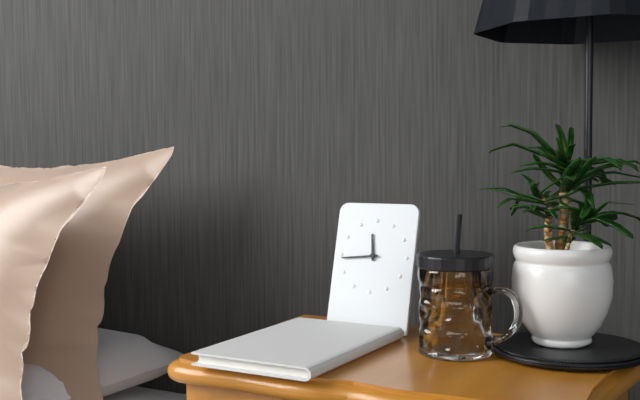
{"hour": 11, "minute": 44}
